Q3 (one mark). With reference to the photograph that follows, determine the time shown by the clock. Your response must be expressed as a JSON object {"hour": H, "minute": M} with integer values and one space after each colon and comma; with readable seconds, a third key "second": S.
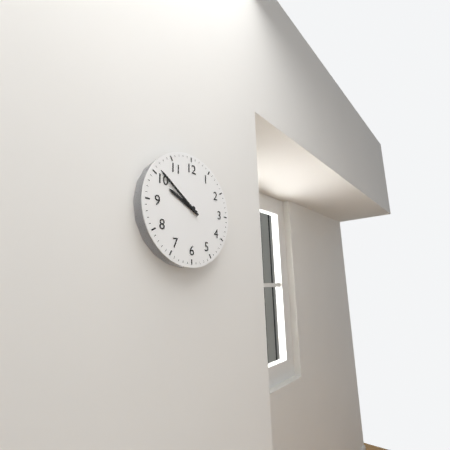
{"hour": 9, "minute": 51}
